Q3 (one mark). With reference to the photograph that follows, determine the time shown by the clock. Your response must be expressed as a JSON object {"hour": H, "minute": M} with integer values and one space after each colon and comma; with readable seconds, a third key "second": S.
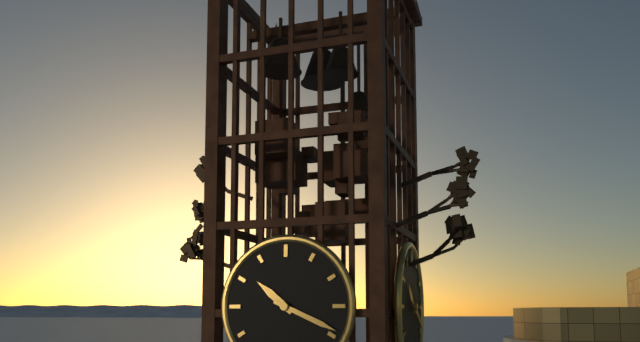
{"hour": 10, "minute": 19}
